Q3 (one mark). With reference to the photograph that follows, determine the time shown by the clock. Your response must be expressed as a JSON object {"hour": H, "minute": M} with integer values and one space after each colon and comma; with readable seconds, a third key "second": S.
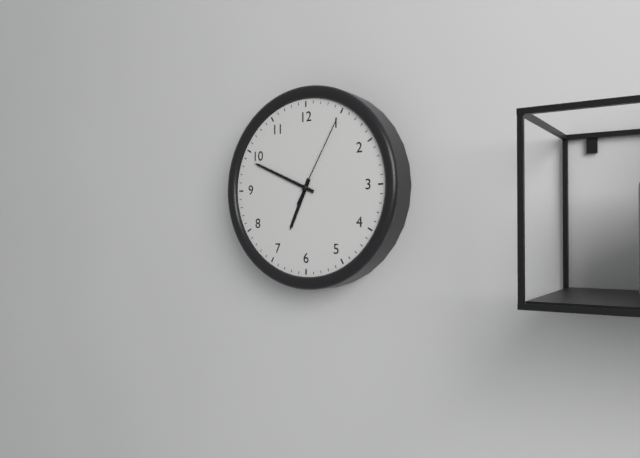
{"hour": 6, "minute": 49, "second": 5}
